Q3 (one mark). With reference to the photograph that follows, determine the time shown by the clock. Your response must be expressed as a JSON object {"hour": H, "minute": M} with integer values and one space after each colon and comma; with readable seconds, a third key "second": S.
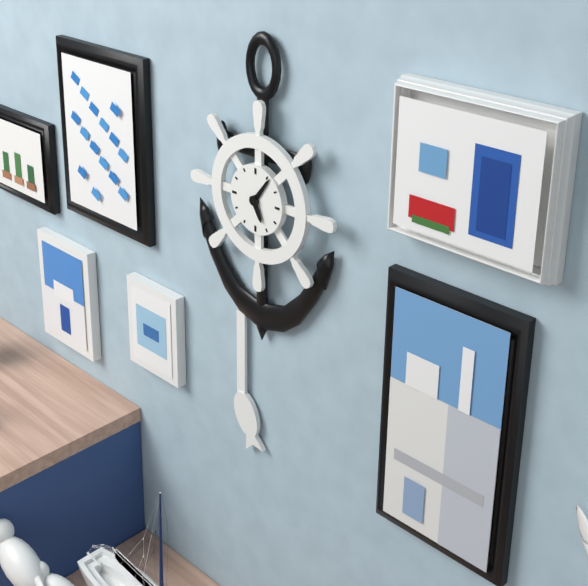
{"hour": 5, "minute": 6}
